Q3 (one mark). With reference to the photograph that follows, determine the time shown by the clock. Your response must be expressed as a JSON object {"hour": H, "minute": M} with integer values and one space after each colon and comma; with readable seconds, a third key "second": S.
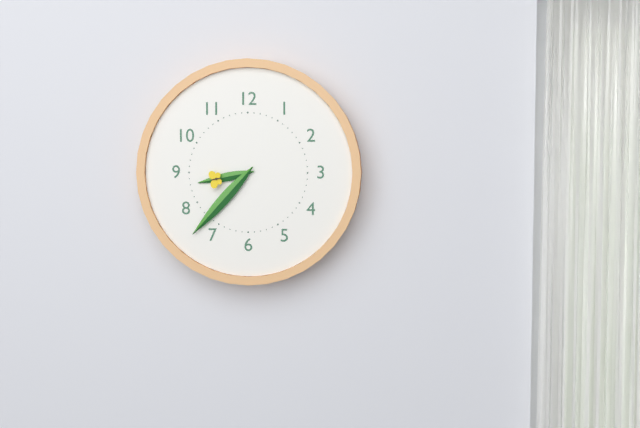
{"hour": 8, "minute": 37}
